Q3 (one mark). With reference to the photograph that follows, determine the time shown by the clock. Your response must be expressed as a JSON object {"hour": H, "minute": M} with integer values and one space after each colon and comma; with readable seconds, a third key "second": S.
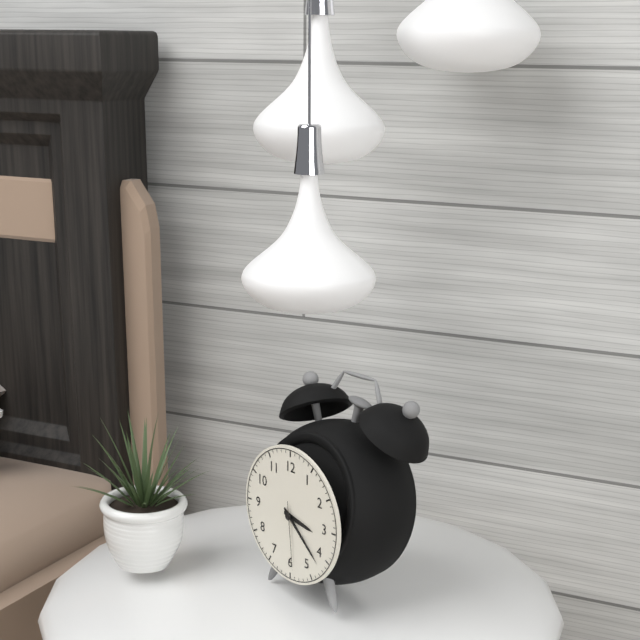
{"hour": 3, "minute": 22, "second": 29}
